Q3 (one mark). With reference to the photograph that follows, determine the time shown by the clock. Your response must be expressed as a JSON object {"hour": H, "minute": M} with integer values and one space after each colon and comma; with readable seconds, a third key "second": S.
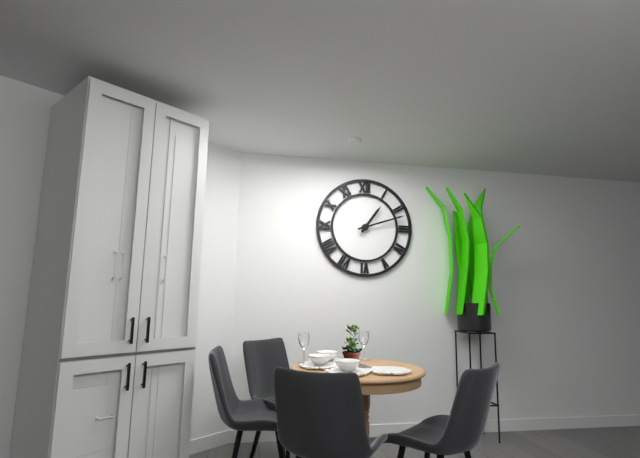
{"hour": 1, "minute": 12}
